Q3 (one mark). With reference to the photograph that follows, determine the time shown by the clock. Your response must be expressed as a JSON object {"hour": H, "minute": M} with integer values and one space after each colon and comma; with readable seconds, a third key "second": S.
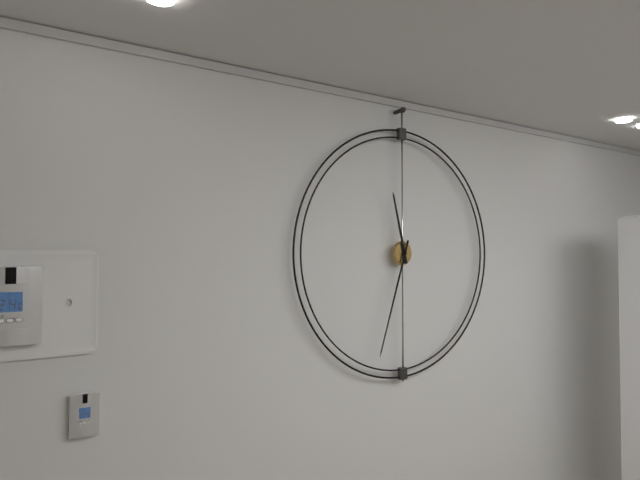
{"hour": 11, "minute": 33}
